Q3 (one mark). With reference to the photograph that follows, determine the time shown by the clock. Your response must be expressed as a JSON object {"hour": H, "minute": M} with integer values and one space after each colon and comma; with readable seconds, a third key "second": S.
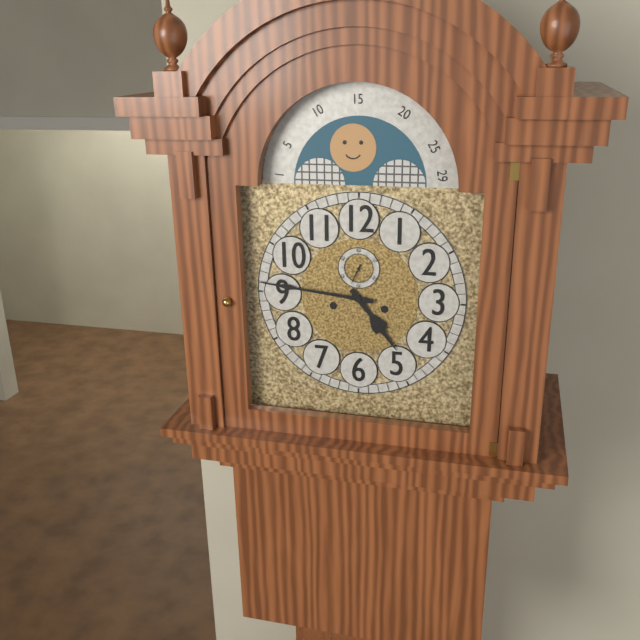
{"hour": 4, "minute": 46}
